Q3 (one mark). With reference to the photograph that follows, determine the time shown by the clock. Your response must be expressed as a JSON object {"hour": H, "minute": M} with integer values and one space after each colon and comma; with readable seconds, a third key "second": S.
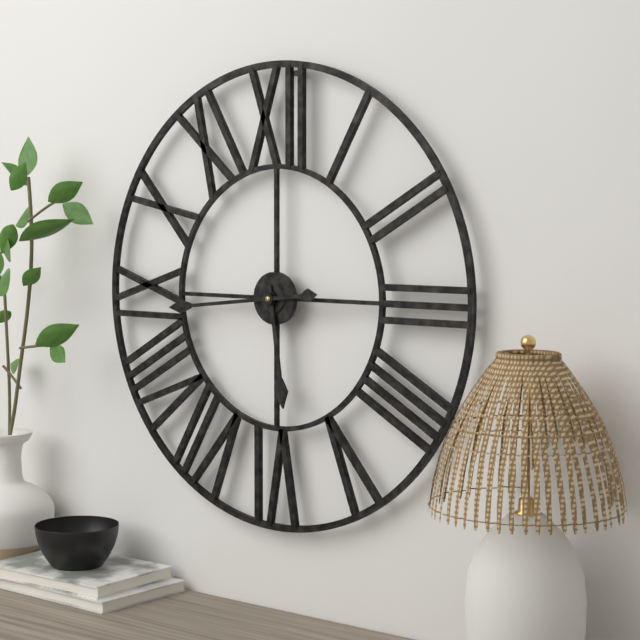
{"hour": 5, "minute": 44}
